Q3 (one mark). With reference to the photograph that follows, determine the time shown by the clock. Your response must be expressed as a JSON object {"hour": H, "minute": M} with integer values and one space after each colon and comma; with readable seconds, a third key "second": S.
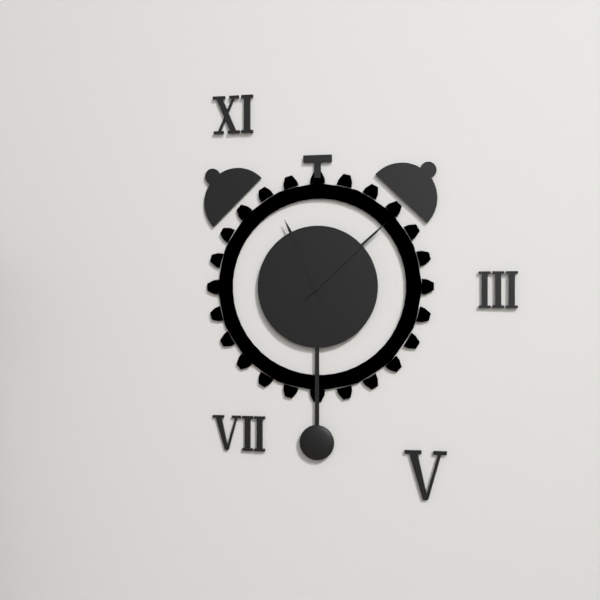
{"hour": 11, "minute": 8}
